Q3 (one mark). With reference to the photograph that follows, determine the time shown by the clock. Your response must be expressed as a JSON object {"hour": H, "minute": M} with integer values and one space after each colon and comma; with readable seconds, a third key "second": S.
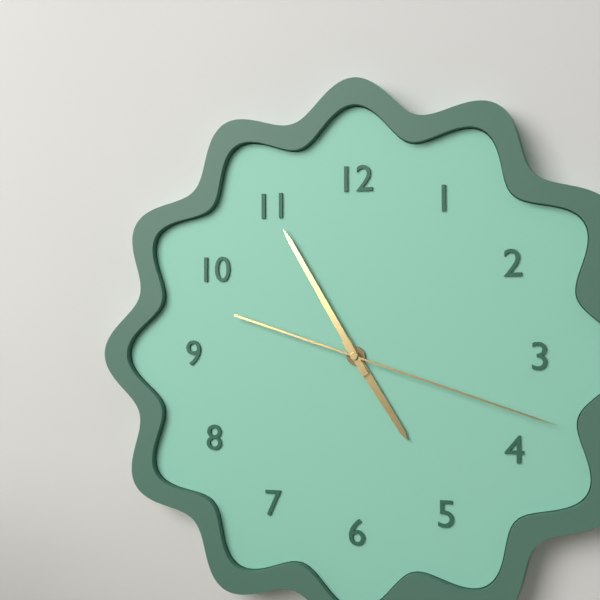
{"hour": 4, "minute": 55, "second": 18}
